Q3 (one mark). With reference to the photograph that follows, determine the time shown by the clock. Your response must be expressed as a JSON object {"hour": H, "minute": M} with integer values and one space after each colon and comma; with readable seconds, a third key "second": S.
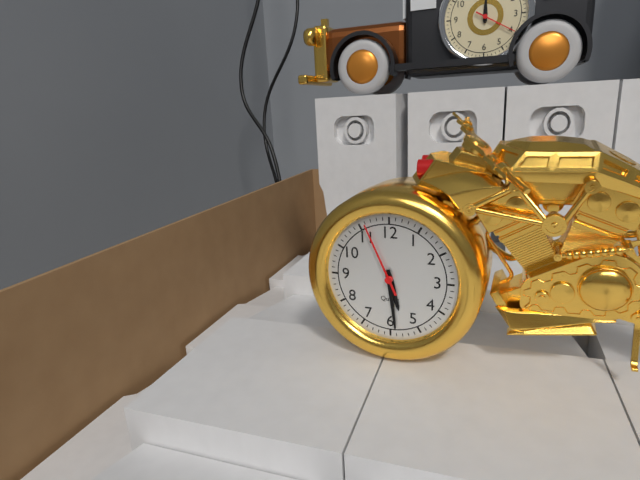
{"hour": 5, "minute": 29, "second": 56}
